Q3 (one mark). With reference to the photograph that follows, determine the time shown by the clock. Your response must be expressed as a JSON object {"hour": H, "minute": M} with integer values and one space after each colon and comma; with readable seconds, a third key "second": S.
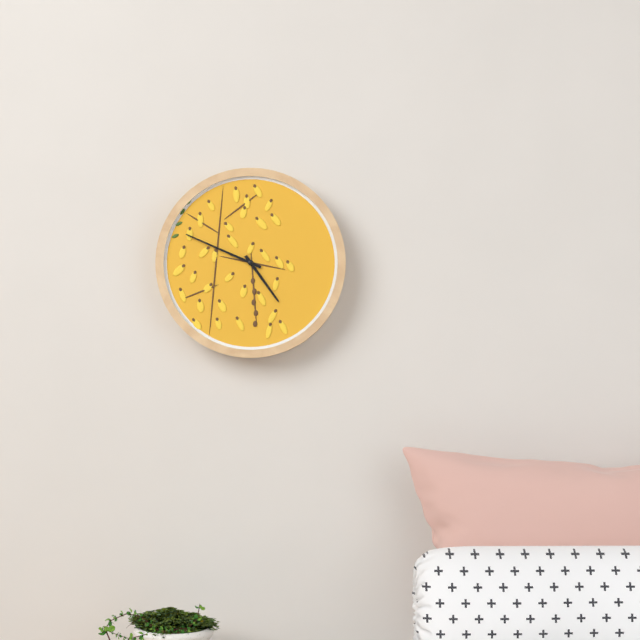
{"hour": 4, "minute": 49}
